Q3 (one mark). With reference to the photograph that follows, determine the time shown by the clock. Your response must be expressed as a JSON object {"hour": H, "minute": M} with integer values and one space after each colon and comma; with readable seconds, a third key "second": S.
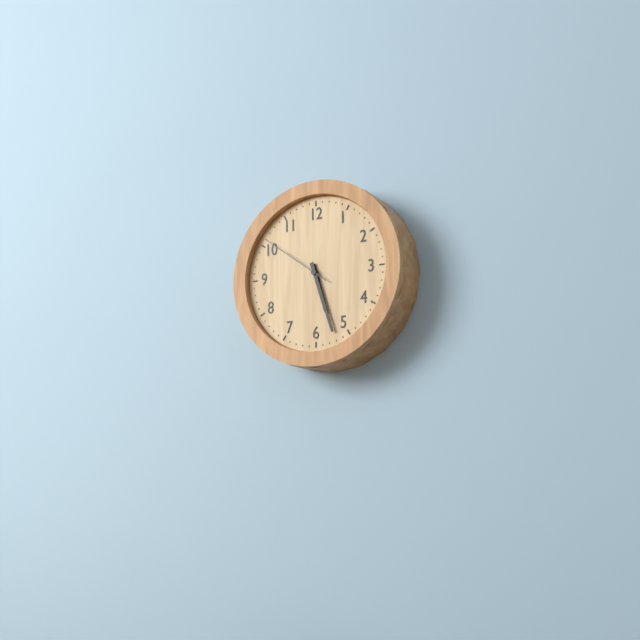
{"hour": 5, "minute": 27, "second": 51}
